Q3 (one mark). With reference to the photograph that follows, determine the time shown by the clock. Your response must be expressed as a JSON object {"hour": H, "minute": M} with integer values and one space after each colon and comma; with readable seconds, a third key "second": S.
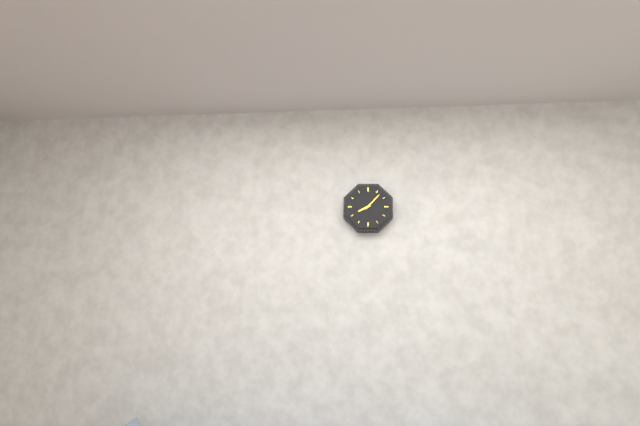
{"hour": 8, "minute": 7}
